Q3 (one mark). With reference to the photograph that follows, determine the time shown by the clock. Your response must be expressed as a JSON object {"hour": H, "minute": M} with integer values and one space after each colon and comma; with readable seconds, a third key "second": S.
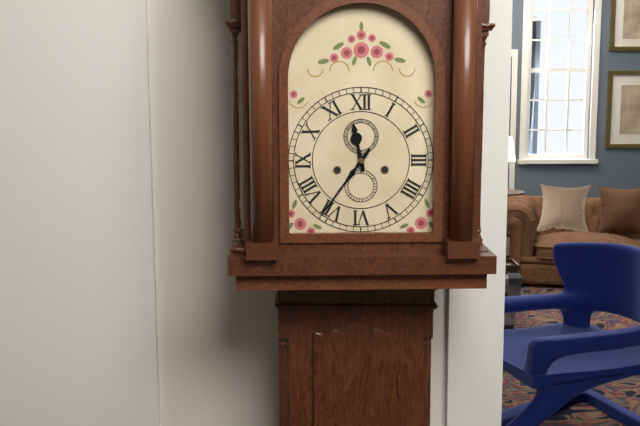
{"hour": 11, "minute": 36}
